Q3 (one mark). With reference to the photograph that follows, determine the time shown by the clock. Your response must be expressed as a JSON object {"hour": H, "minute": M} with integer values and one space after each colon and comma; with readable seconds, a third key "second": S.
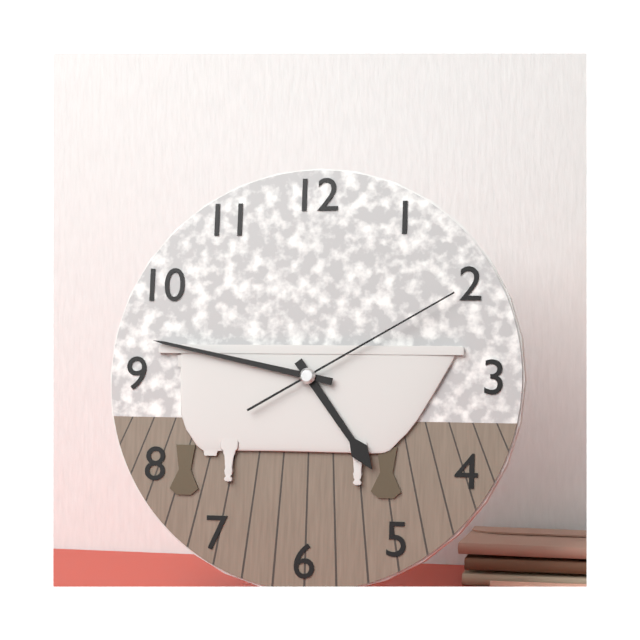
{"hour": 4, "minute": 47, "second": 10}
